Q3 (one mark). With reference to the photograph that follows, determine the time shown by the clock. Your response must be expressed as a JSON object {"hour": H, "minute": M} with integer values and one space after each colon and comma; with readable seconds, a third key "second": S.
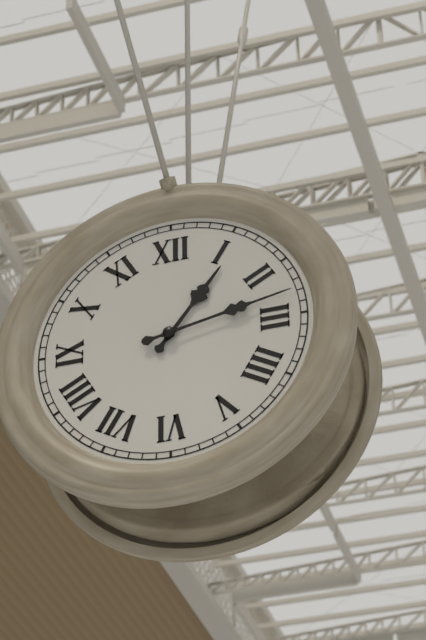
{"hour": 1, "minute": 13}
